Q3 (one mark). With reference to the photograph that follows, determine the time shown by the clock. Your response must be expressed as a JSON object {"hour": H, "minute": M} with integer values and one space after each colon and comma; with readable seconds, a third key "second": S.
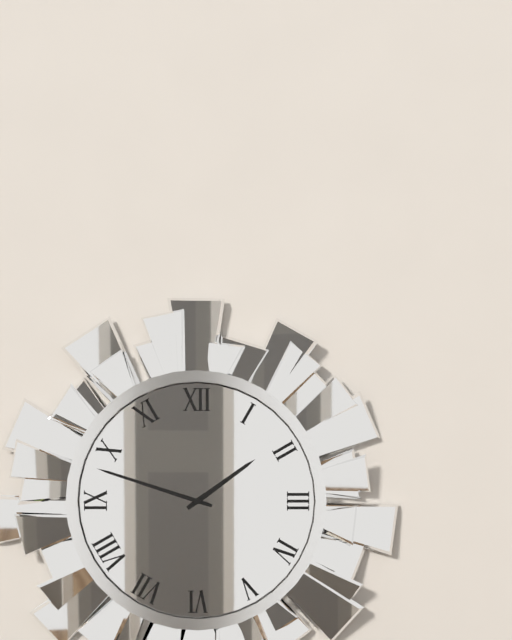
{"hour": 1, "minute": 48}
